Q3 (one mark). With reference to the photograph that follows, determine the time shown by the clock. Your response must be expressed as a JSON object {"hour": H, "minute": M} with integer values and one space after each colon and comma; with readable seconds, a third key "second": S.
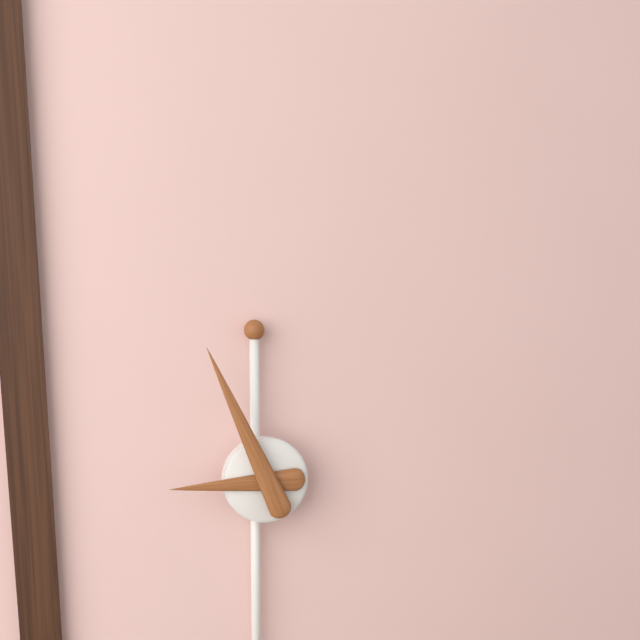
{"hour": 8, "minute": 56}
